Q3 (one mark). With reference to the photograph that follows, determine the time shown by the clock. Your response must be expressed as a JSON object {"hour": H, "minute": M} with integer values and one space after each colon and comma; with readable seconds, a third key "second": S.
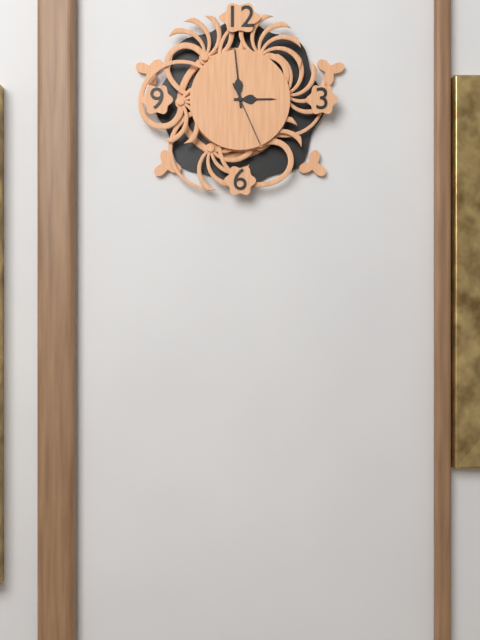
{"hour": 2, "minute": 59, "second": 26}
